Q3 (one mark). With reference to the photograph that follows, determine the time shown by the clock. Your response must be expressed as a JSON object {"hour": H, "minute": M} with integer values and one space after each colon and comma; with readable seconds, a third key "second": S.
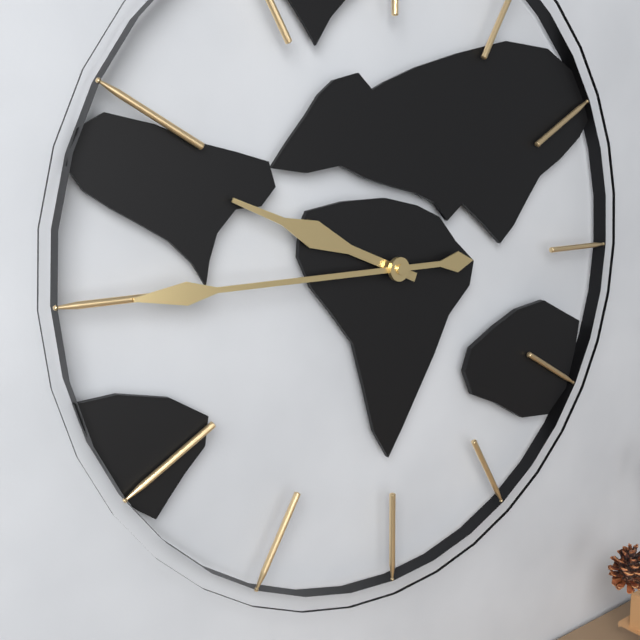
{"hour": 9, "minute": 45}
